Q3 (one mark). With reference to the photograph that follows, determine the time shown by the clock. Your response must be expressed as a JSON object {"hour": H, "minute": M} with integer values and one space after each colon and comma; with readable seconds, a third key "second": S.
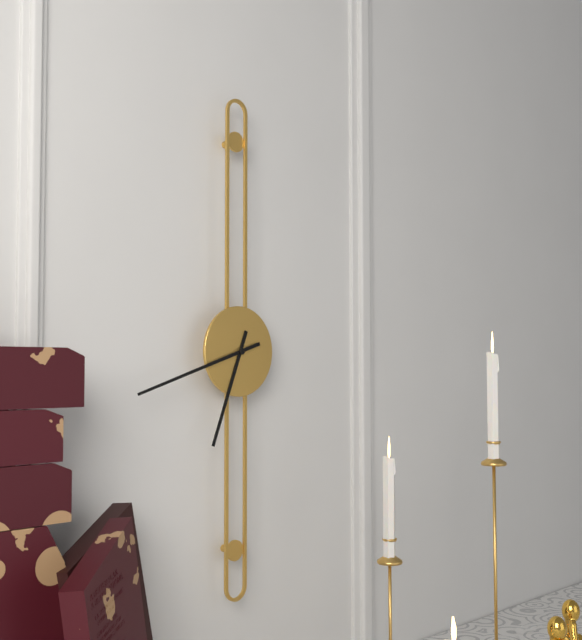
{"hour": 6, "minute": 42}
